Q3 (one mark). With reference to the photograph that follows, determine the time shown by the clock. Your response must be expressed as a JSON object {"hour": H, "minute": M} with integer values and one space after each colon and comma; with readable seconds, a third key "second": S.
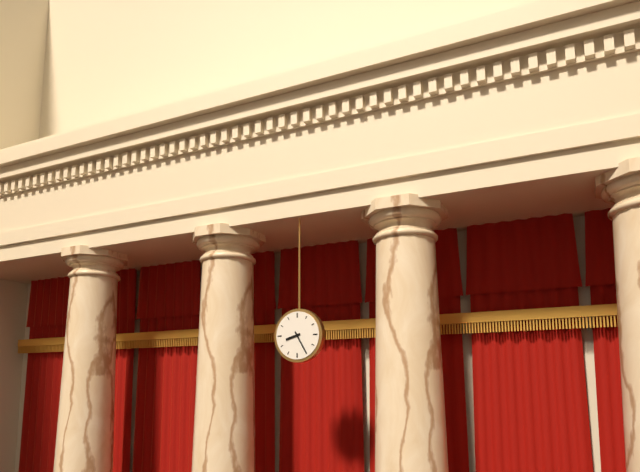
{"hour": 8, "minute": 25}
